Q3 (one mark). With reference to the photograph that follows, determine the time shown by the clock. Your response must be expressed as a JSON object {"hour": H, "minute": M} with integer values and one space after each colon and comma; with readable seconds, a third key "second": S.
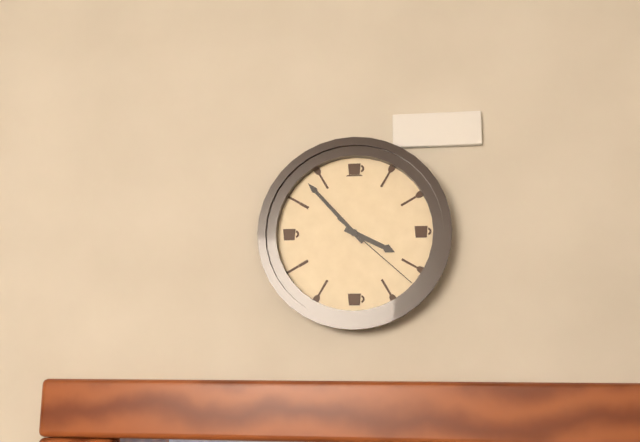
{"hour": 3, "minute": 53, "second": 22}
